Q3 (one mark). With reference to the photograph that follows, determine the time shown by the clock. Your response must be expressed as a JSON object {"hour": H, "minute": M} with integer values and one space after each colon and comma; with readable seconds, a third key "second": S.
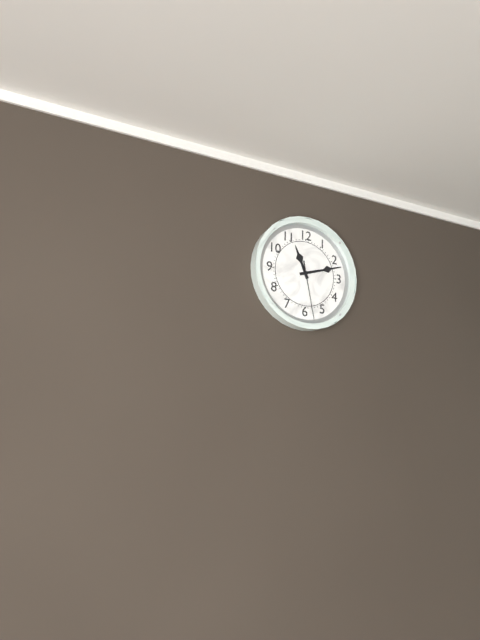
{"hour": 11, "minute": 12, "second": 28}
